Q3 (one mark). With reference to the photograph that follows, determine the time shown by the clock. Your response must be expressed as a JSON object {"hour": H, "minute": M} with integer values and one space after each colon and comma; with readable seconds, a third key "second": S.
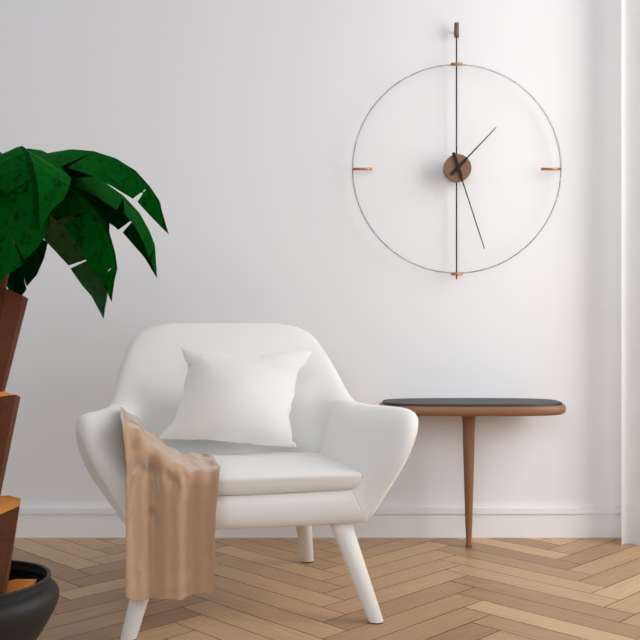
{"hour": 1, "minute": 27}
